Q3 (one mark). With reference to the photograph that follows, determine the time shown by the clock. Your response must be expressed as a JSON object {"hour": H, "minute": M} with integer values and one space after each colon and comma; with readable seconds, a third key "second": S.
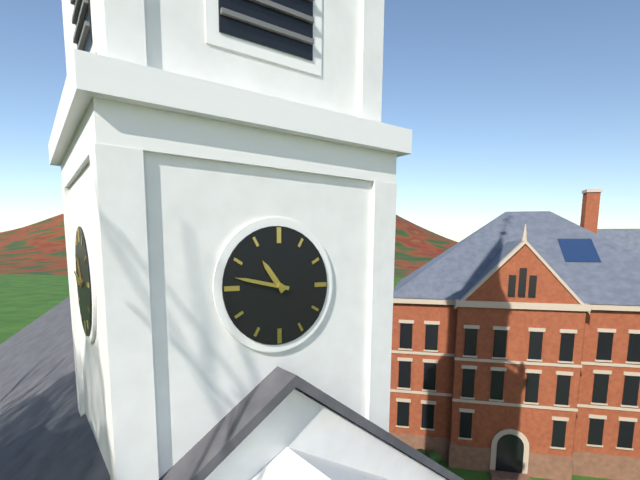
{"hour": 10, "minute": 47}
